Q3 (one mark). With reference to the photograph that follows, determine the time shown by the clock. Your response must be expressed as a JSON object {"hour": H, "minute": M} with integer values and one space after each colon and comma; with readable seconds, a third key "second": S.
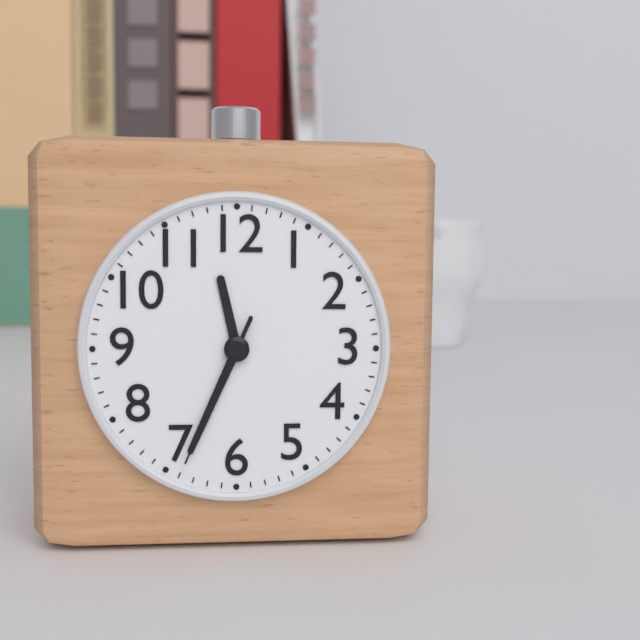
{"hour": 11, "minute": 34, "second": 34}
